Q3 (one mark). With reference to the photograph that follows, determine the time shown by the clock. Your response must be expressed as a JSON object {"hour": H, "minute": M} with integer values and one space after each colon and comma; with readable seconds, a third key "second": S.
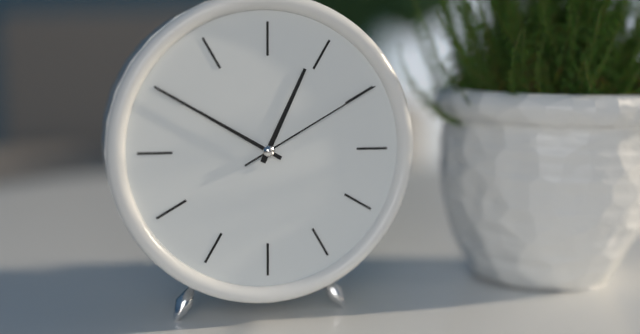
{"hour": 12, "minute": 50, "second": 10}
